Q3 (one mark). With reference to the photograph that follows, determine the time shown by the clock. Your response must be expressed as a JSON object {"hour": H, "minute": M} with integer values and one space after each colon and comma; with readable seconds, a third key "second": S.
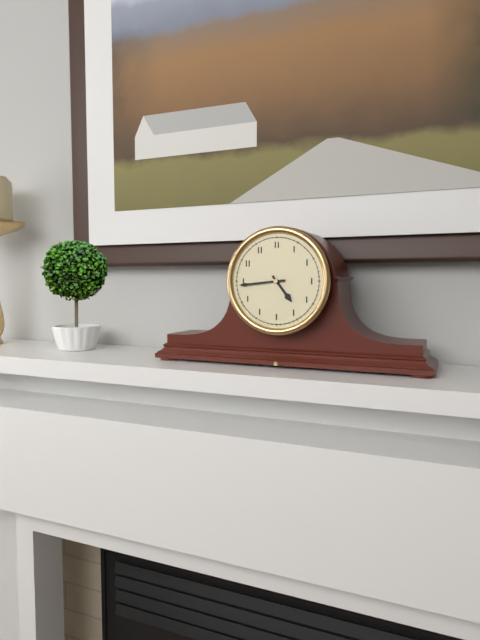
{"hour": 4, "minute": 44}
